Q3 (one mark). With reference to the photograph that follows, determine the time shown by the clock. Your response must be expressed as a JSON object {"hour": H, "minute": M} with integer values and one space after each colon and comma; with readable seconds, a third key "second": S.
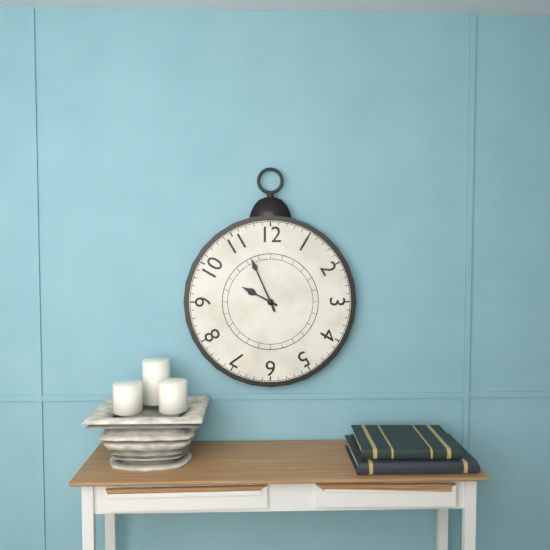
{"hour": 9, "minute": 56}
